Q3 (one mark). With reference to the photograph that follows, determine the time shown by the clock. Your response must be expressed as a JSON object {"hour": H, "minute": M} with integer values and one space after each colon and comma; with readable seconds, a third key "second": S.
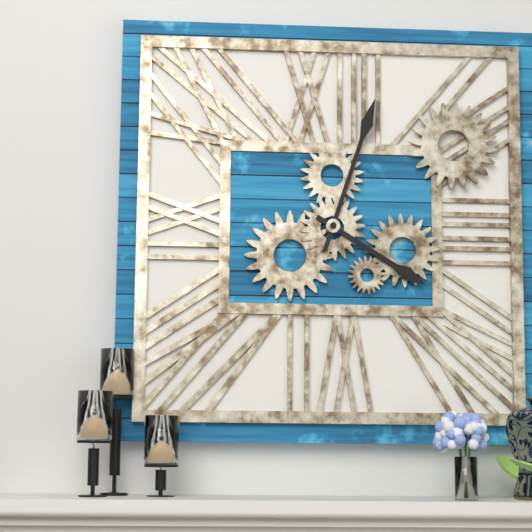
{"hour": 4, "minute": 3}
